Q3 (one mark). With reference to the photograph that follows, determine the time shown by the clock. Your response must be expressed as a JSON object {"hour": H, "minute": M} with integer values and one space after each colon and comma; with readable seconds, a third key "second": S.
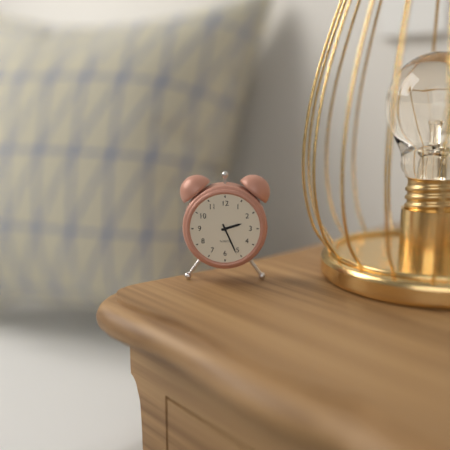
{"hour": 2, "minute": 26}
